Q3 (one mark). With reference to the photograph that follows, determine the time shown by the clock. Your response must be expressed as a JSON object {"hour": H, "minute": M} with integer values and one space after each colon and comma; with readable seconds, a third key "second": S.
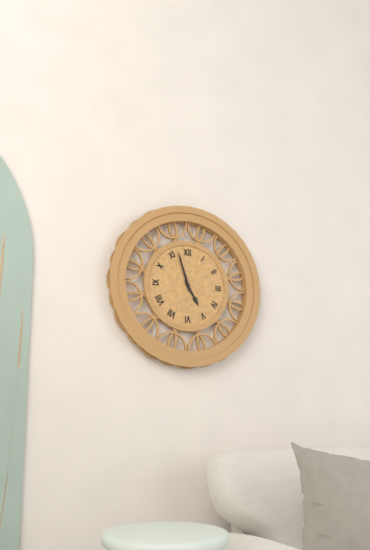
{"hour": 4, "minute": 57}
